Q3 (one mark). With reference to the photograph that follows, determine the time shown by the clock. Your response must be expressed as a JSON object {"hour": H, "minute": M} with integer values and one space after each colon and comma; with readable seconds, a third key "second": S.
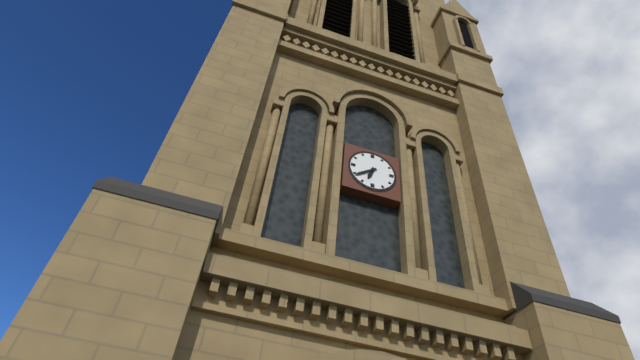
{"hour": 6, "minute": 39}
